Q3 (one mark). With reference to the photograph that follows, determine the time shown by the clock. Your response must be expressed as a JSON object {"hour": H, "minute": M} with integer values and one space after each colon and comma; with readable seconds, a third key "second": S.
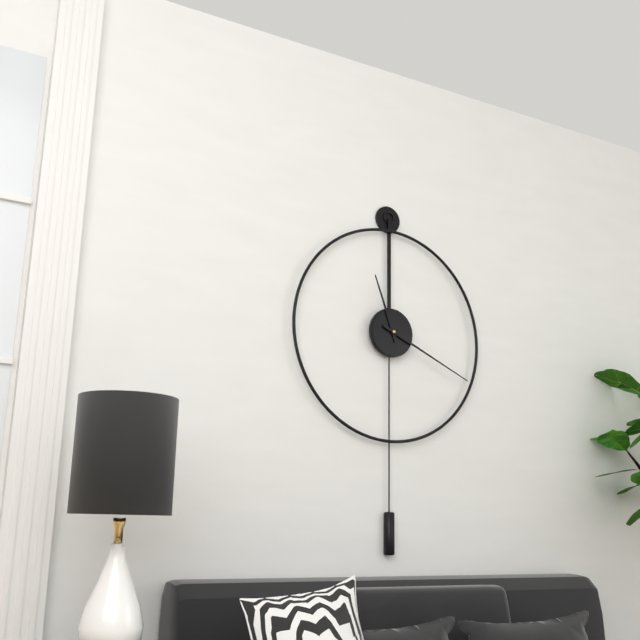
{"hour": 11, "minute": 19}
